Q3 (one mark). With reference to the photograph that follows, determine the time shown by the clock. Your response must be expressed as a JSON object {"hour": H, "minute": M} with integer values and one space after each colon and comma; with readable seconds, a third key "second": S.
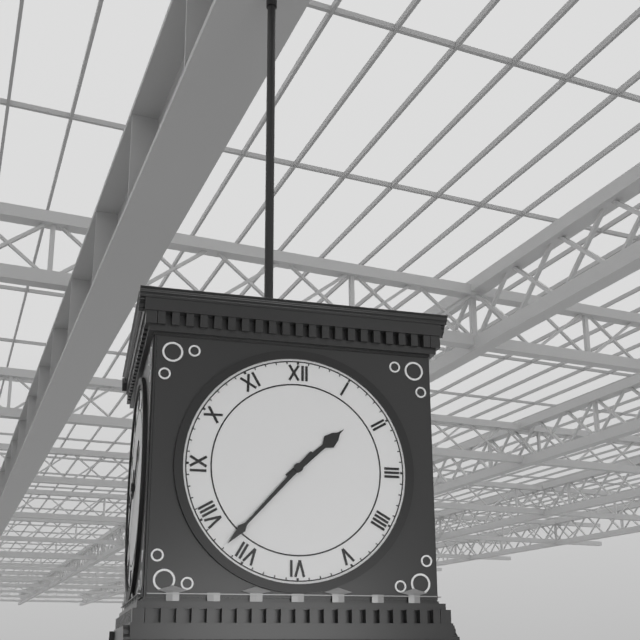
{"hour": 1, "minute": 37}
